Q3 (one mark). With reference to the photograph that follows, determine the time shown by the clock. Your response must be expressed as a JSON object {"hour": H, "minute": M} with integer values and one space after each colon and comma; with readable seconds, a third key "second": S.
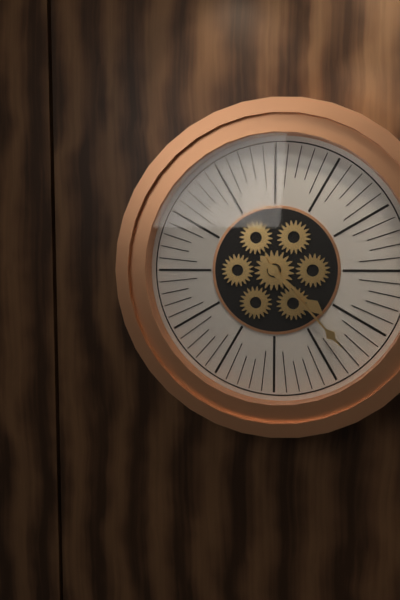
{"hour": 4, "minute": 23}
